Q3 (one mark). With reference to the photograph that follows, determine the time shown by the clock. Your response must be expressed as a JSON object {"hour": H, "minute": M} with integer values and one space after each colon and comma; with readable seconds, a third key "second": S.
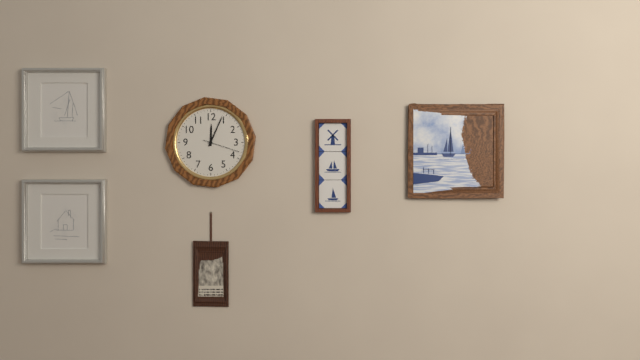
{"hour": 12, "minute": 4}
